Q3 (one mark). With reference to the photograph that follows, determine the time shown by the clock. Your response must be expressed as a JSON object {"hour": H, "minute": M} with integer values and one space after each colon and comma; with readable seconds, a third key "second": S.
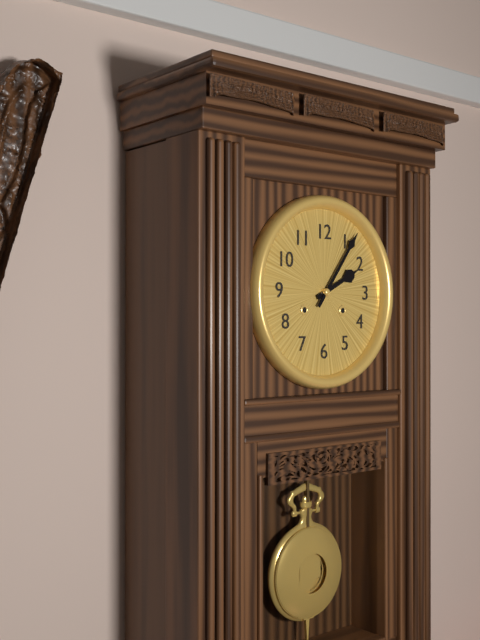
{"hour": 2, "minute": 6}
